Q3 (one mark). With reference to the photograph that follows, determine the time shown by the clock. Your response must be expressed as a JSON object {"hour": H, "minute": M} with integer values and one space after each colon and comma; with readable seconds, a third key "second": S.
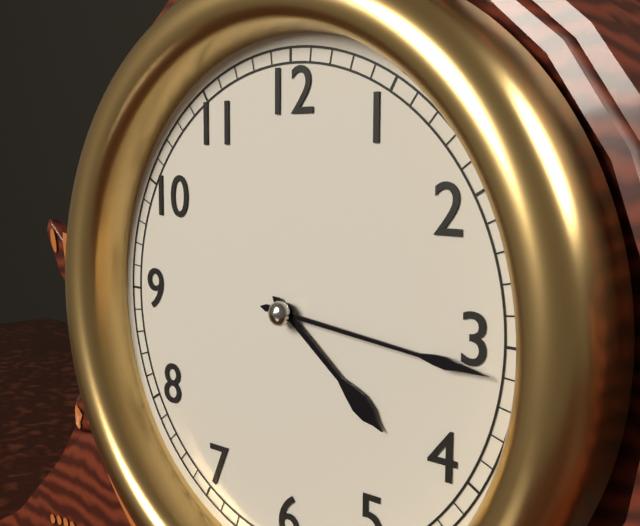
{"hour": 4, "minute": 16}
